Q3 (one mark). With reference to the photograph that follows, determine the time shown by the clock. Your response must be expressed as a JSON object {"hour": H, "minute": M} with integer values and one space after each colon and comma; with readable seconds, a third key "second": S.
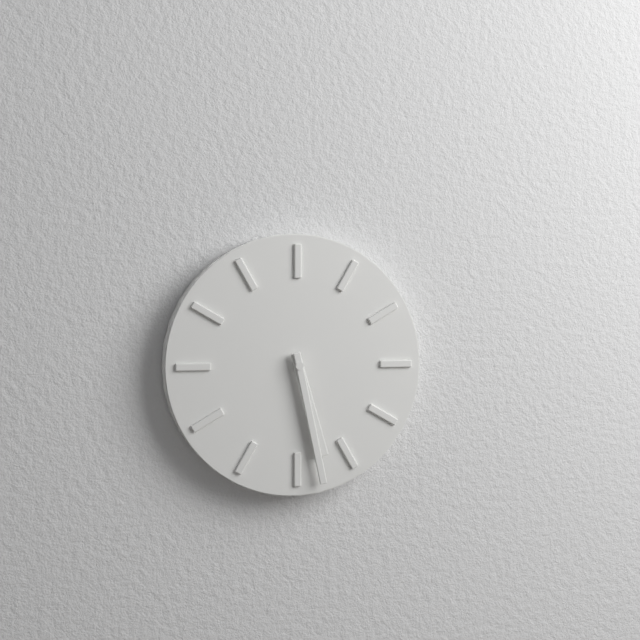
{"hour": 5, "minute": 28}
